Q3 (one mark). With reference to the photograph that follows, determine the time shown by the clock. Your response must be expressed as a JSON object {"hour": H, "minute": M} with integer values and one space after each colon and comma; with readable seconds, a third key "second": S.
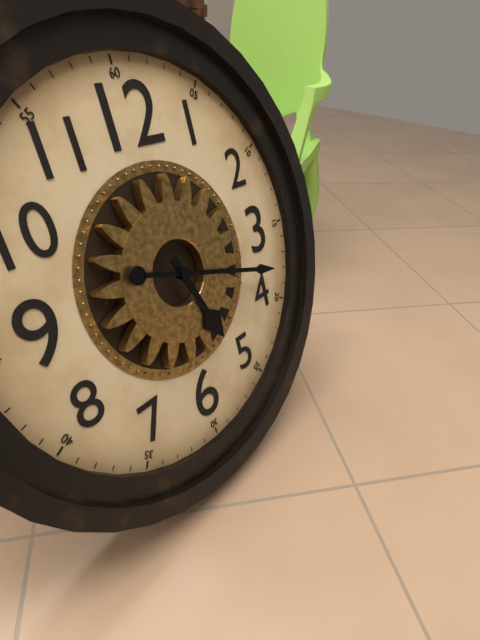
{"hour": 5, "minute": 18}
